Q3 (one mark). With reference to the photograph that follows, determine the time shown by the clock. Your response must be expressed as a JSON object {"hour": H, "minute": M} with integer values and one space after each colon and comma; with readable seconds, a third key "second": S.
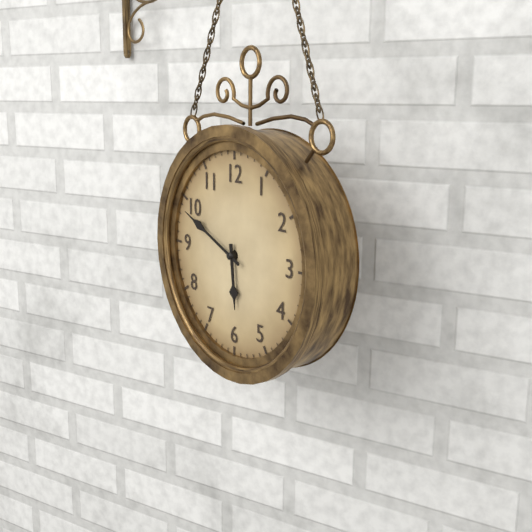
{"hour": 5, "minute": 49}
